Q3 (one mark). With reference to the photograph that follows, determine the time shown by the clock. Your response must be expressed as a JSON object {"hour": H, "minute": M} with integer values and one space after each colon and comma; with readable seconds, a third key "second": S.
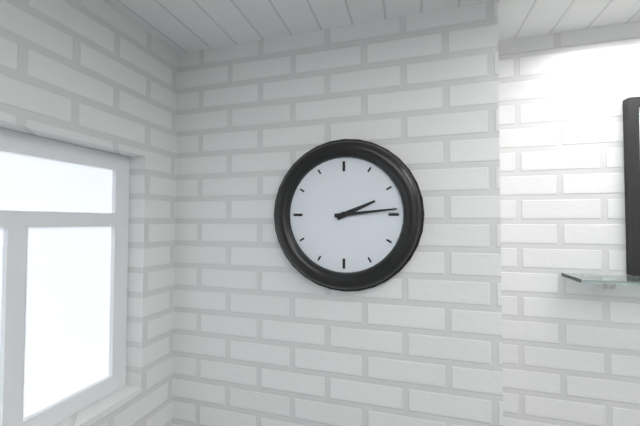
{"hour": 2, "minute": 14}
